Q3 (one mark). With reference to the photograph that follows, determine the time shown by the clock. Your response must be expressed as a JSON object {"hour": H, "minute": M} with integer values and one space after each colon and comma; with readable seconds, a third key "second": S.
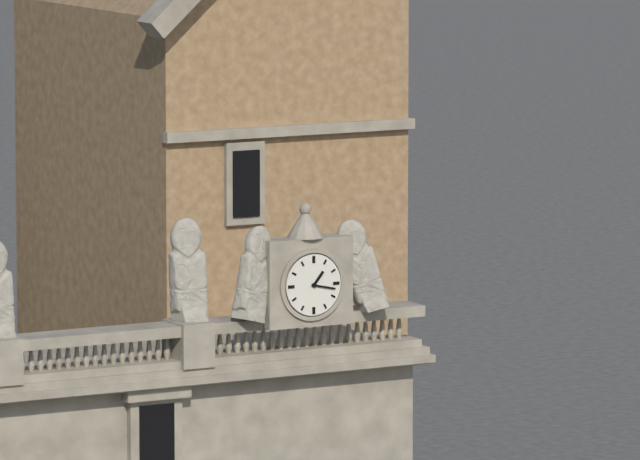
{"hour": 1, "minute": 17}
